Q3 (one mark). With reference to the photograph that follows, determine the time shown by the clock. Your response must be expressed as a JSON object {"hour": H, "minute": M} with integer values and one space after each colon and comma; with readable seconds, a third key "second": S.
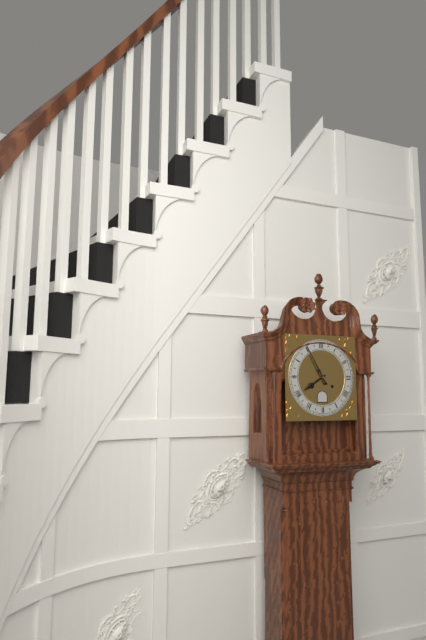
{"hour": 7, "minute": 55}
